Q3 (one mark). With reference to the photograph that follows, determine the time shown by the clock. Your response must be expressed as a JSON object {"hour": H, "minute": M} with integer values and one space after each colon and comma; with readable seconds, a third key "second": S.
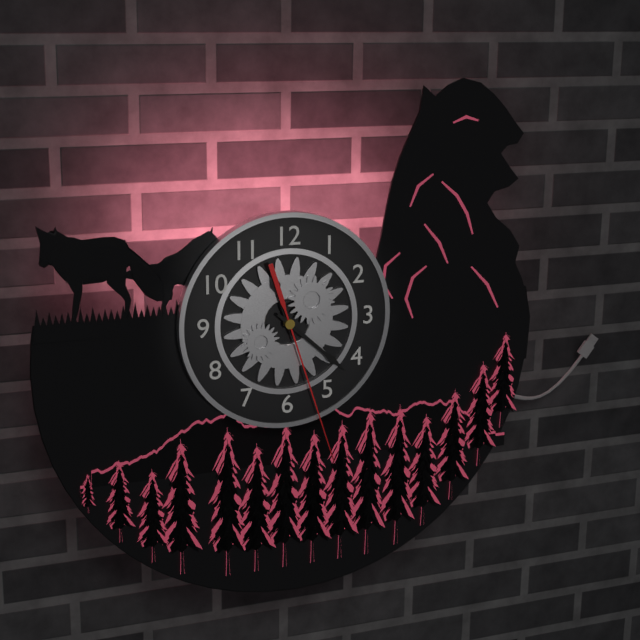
{"hour": 11, "minute": 22, "second": 27}
